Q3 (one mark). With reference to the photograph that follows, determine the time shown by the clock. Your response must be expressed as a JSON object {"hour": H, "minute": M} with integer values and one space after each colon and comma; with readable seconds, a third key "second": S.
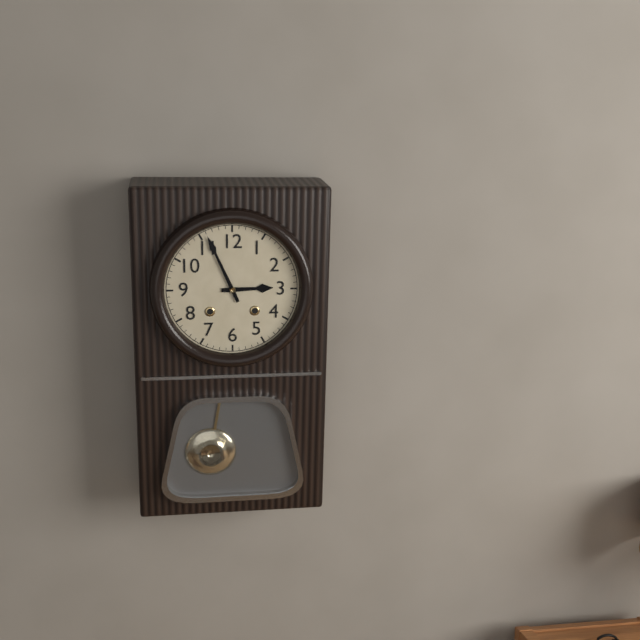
{"hour": 2, "minute": 56}
